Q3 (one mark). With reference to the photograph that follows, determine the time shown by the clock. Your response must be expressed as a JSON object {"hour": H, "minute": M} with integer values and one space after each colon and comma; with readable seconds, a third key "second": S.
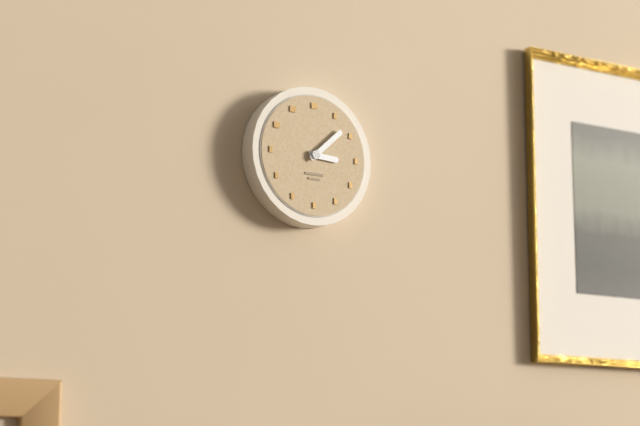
{"hour": 3, "minute": 8}
